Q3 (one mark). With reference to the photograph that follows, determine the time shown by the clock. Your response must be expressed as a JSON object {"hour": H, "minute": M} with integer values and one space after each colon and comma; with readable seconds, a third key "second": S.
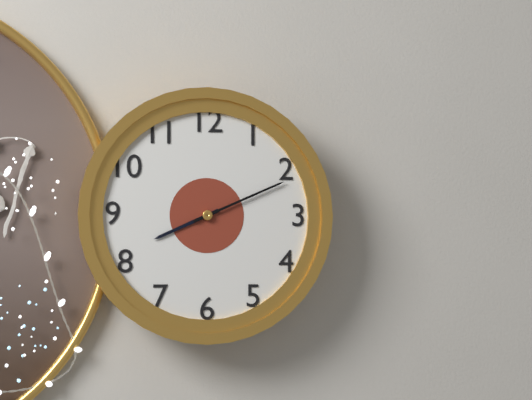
{"hour": 8, "minute": 11}
